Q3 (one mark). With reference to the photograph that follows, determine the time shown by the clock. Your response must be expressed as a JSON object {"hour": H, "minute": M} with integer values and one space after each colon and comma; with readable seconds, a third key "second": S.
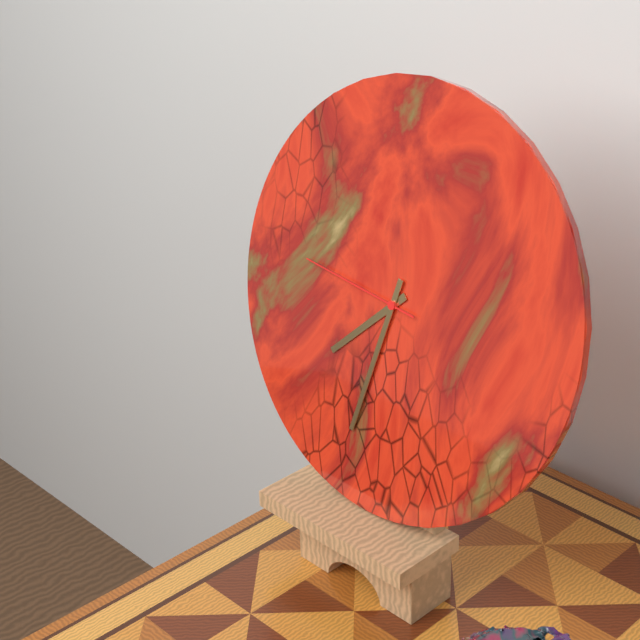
{"hour": 7, "minute": 32, "second": 46}
